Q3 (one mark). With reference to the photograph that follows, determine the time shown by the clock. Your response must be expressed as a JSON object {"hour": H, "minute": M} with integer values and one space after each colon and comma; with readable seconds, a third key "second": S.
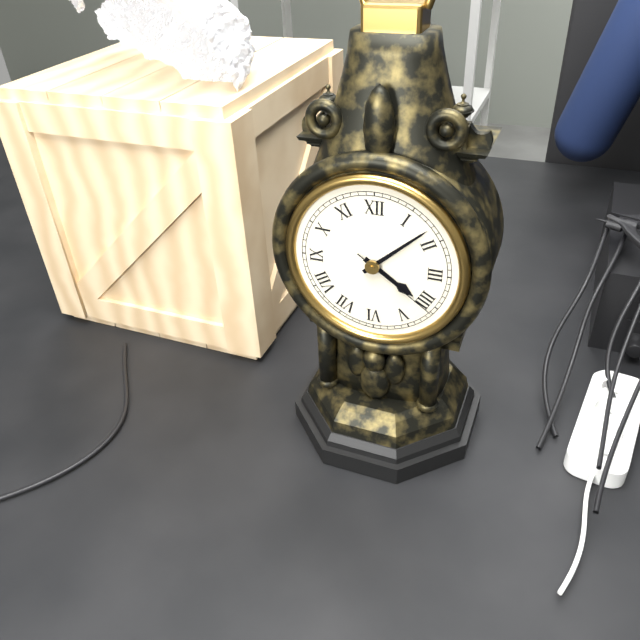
{"hour": 4, "minute": 8, "second": 21}
